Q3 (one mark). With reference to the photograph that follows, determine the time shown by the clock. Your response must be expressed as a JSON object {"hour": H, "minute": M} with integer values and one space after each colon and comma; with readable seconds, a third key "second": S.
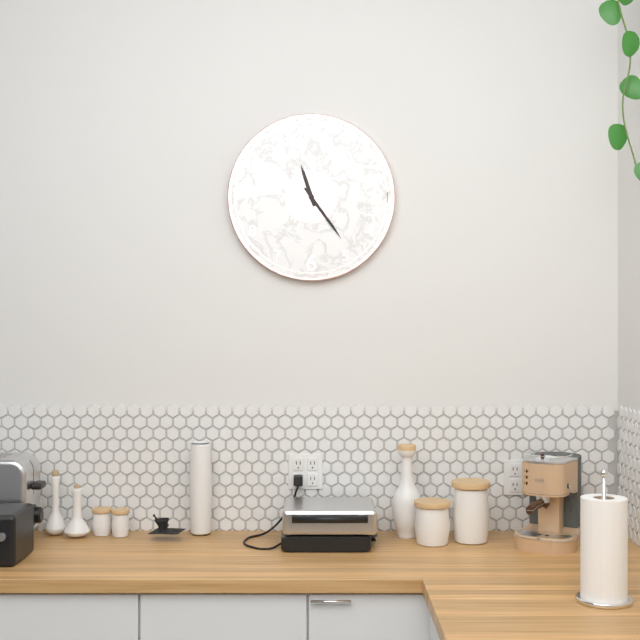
{"hour": 11, "minute": 24}
